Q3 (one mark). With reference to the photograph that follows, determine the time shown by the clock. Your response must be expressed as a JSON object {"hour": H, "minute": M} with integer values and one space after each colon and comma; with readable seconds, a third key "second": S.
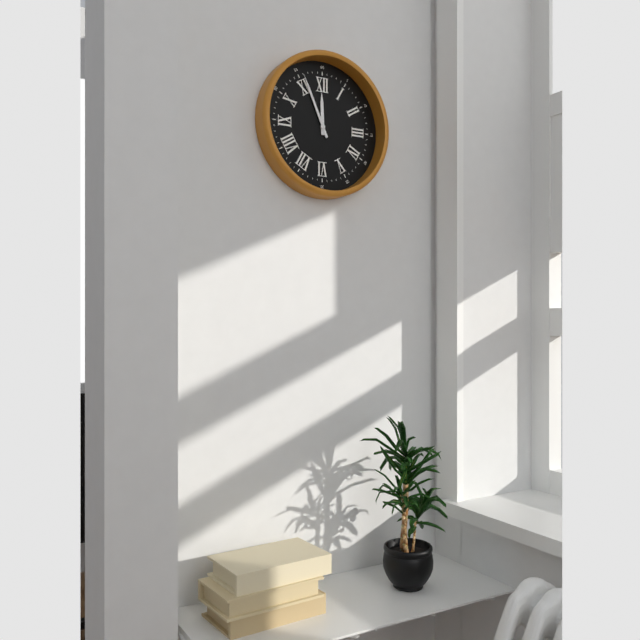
{"hour": 11, "minute": 56}
